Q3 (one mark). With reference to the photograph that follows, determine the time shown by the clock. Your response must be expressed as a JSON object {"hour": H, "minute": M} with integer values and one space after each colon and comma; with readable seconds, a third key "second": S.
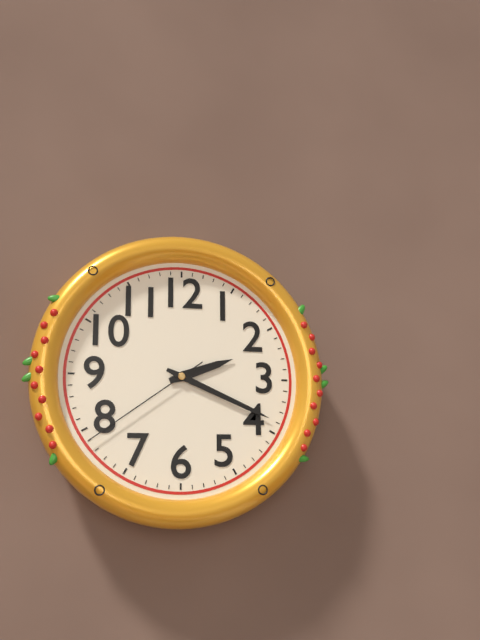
{"hour": 2, "minute": 19, "second": 39}
